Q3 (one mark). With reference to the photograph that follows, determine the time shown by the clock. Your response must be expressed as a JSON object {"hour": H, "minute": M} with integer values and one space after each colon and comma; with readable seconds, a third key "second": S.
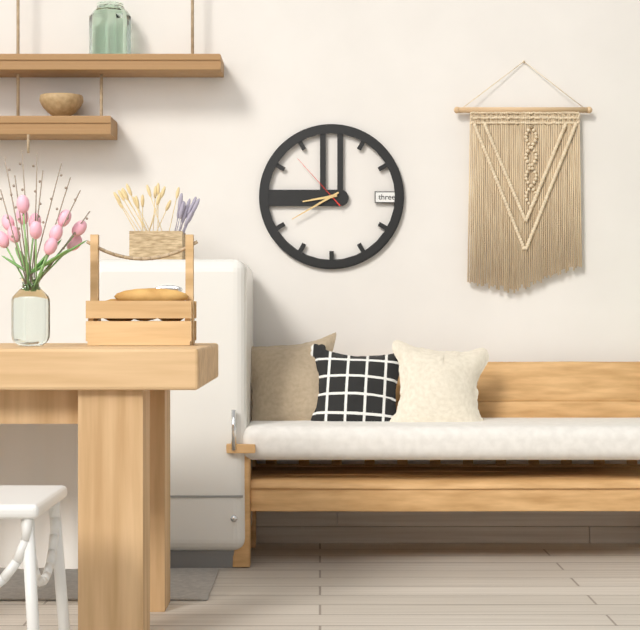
{"hour": 8, "minute": 40, "second": 53}
